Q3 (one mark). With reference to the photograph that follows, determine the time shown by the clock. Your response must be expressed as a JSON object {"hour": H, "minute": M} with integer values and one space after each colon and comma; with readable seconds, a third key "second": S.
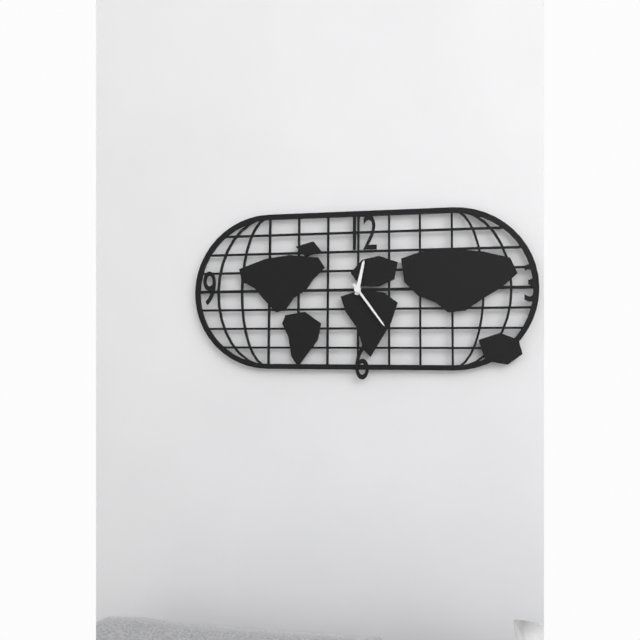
{"hour": 12, "minute": 24}
